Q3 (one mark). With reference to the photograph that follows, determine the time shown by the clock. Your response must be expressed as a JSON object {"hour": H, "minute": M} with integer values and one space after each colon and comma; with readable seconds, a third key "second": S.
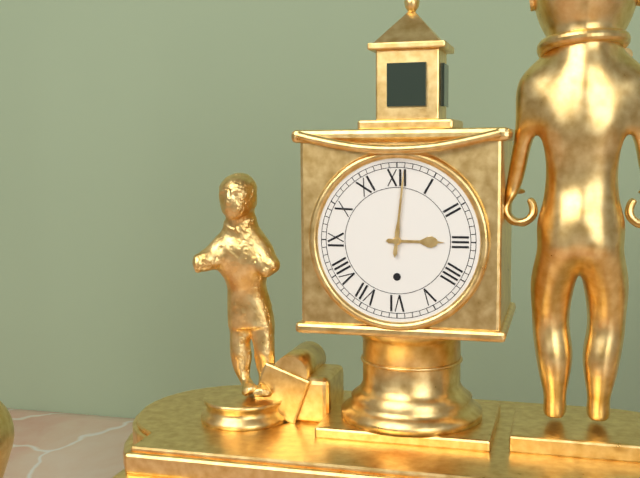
{"hour": 3, "minute": 1}
